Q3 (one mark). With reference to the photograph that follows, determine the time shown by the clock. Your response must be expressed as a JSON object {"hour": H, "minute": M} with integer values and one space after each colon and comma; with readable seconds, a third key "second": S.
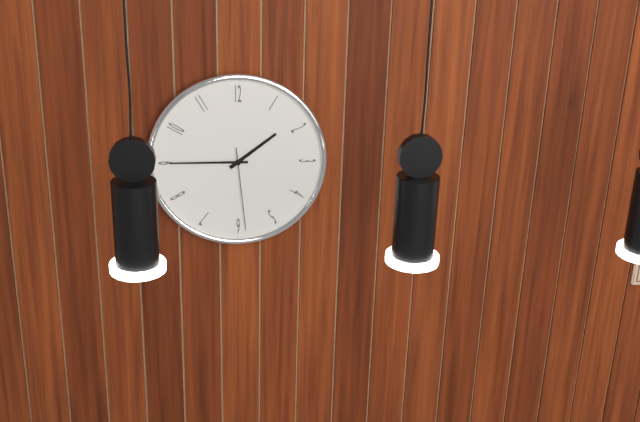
{"hour": 1, "minute": 45, "second": 29}
